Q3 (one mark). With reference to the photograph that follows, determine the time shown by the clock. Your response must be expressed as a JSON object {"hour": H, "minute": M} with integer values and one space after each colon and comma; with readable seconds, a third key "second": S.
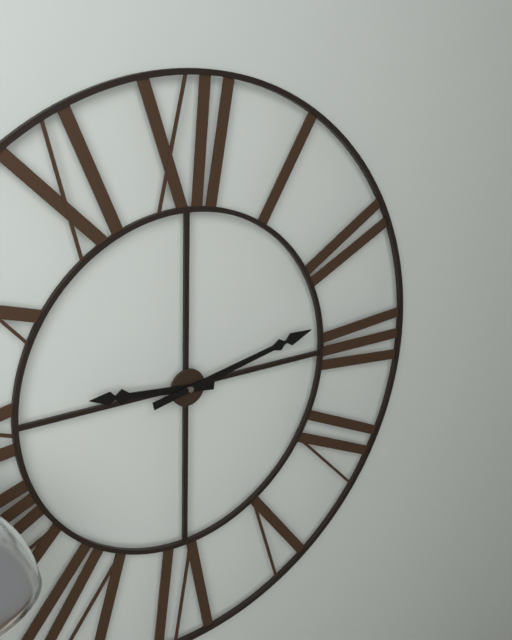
{"hour": 9, "minute": 13}
